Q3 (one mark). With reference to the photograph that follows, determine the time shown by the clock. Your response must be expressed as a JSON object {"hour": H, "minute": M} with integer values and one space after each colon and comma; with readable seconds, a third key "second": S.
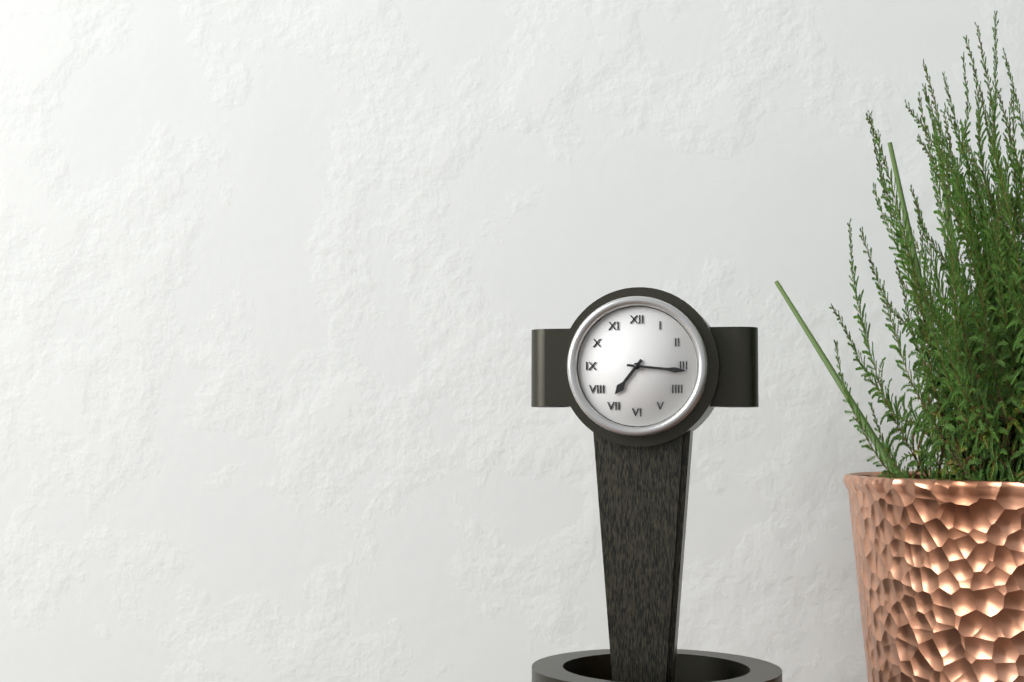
{"hour": 7, "minute": 16}
